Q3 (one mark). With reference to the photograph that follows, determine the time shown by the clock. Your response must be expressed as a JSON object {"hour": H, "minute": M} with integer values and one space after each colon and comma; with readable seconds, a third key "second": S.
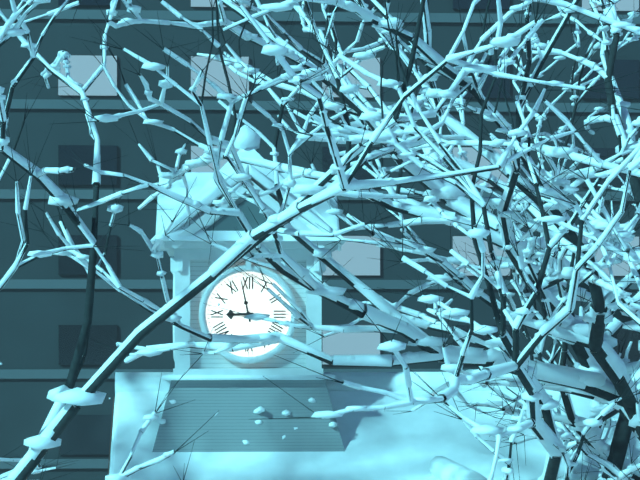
{"hour": 8, "minute": 58}
